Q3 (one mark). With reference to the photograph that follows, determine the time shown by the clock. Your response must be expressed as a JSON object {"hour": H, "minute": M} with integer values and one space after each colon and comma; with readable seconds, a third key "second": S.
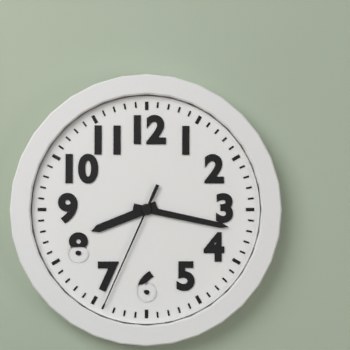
{"hour": 8, "minute": 17, "second": 34}
